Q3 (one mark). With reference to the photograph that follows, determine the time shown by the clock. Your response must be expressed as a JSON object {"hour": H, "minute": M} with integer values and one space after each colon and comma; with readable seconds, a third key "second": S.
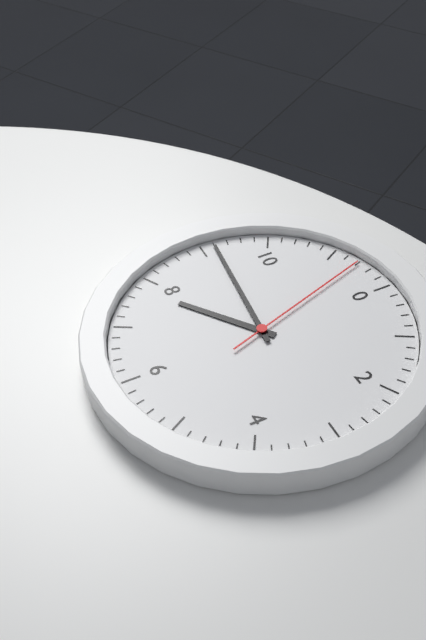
{"hour": 7, "minute": 46, "second": 57}
